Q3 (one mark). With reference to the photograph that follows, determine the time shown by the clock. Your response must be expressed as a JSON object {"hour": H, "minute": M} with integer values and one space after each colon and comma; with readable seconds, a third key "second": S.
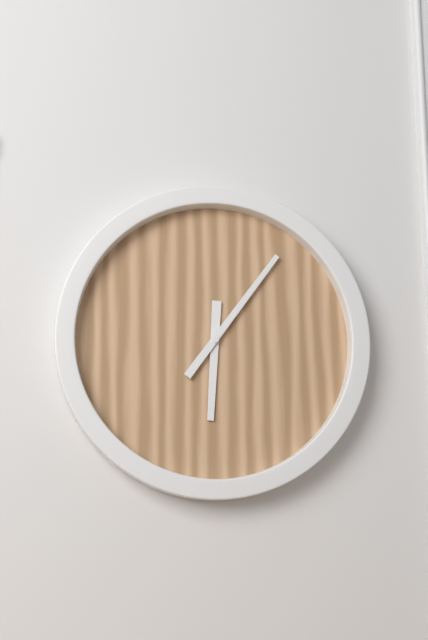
{"hour": 6, "minute": 6}
